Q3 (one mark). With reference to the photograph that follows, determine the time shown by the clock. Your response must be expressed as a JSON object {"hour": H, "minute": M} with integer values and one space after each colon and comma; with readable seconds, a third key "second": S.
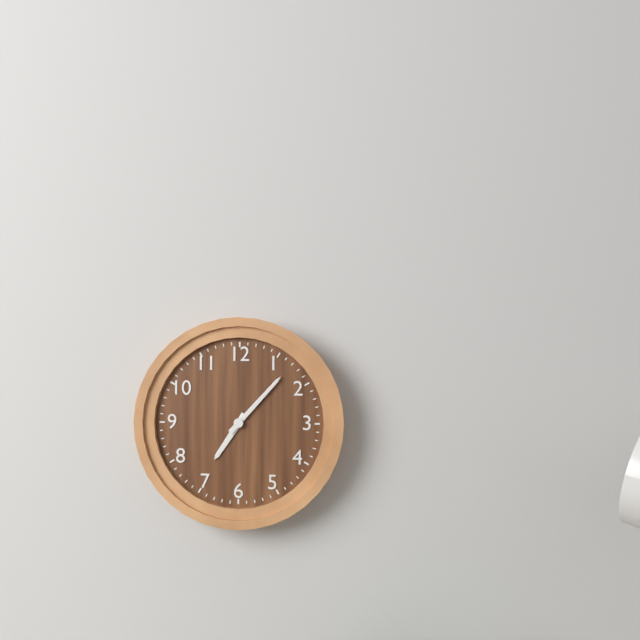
{"hour": 7, "minute": 7}
